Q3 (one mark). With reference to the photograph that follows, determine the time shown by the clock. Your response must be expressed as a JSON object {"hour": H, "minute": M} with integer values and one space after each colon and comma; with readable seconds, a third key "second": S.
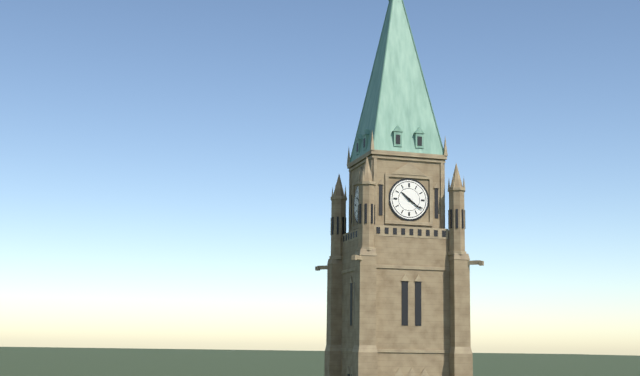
{"hour": 10, "minute": 21}
